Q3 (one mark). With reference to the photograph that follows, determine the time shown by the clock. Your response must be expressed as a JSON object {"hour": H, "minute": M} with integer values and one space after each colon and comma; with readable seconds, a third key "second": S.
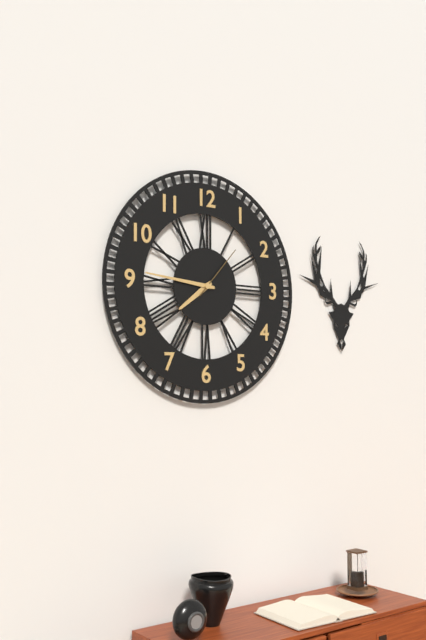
{"hour": 7, "minute": 46, "second": 7}
